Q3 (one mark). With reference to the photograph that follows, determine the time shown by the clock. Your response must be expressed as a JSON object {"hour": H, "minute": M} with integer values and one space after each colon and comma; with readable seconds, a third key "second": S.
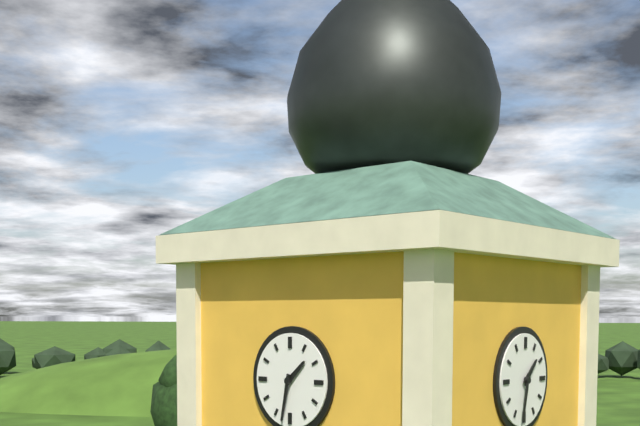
{"hour": 1, "minute": 32}
